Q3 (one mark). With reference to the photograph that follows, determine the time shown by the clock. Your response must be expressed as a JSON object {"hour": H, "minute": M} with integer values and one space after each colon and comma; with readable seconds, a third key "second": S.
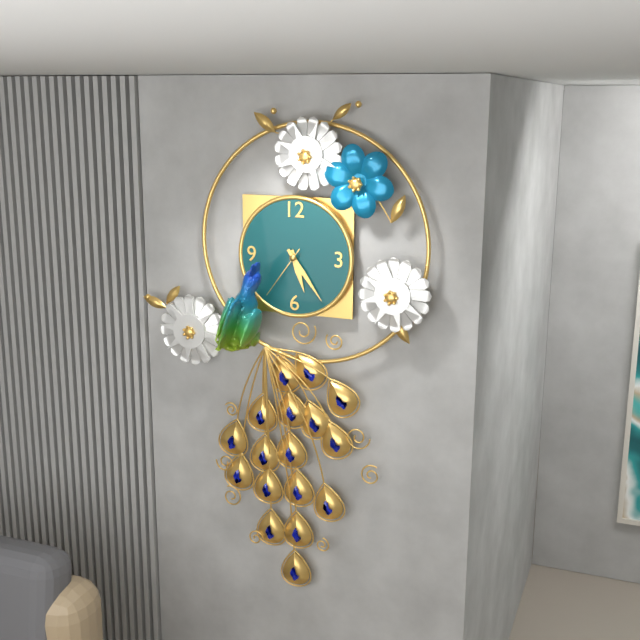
{"hour": 5, "minute": 24, "second": 36}
